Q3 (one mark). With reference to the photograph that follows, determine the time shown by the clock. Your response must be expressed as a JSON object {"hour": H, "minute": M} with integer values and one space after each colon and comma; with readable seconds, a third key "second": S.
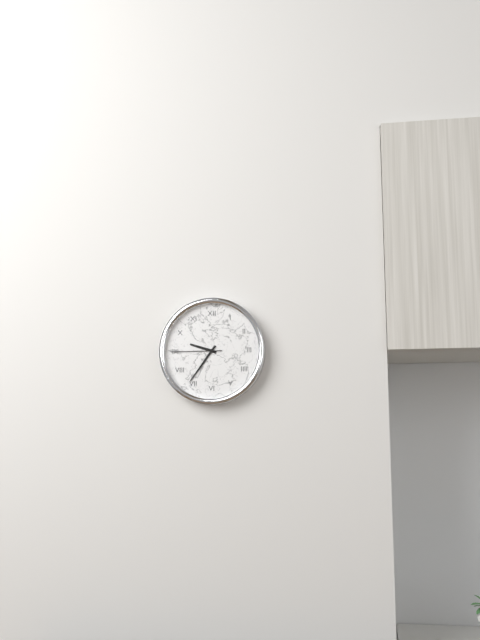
{"hour": 9, "minute": 36, "second": 45}
